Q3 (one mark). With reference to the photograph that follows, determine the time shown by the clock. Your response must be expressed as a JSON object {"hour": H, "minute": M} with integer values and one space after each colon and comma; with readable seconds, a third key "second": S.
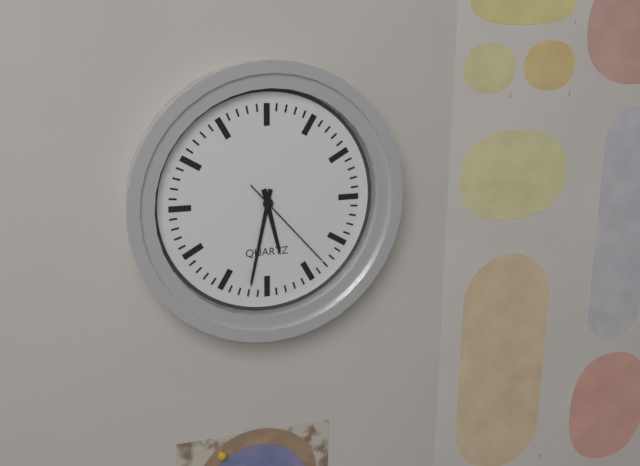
{"hour": 5, "minute": 32, "second": 23}
